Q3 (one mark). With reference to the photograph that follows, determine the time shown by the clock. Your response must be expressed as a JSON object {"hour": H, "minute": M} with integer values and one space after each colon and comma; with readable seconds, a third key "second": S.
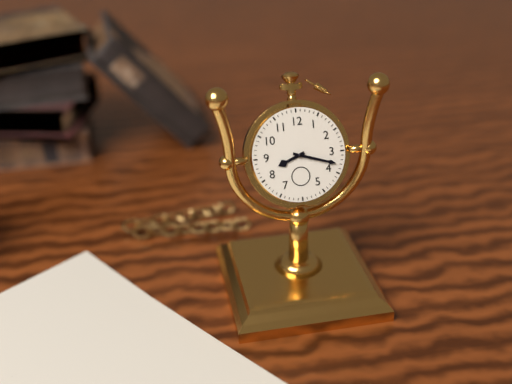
{"hour": 8, "minute": 18}
